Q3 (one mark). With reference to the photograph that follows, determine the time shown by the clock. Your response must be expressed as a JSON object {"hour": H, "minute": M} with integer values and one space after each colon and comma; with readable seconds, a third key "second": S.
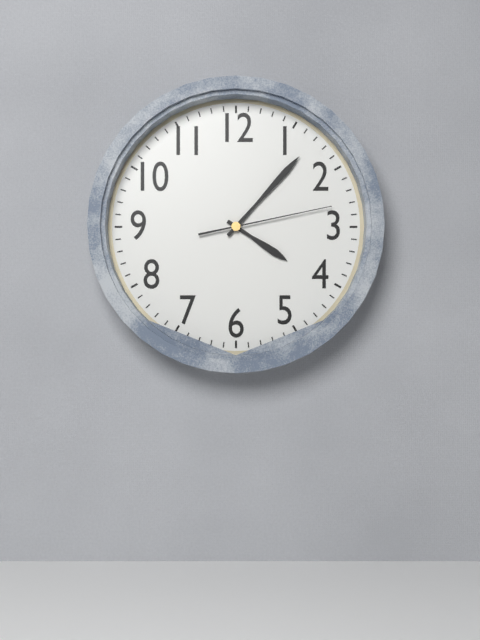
{"hour": 4, "minute": 7, "second": 13}
